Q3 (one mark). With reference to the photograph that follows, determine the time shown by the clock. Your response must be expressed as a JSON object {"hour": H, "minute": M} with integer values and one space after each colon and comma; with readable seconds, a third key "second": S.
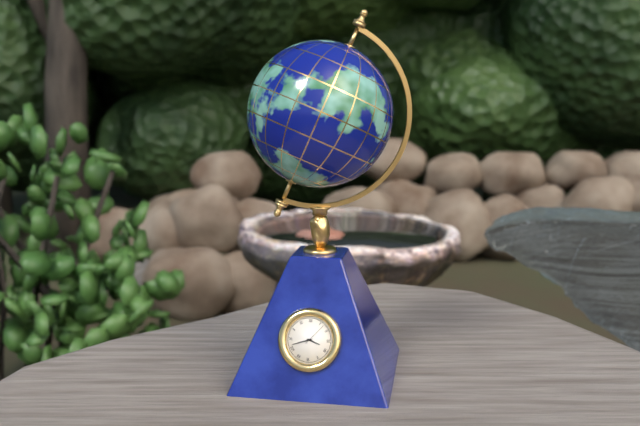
{"hour": 3, "minute": 42}
